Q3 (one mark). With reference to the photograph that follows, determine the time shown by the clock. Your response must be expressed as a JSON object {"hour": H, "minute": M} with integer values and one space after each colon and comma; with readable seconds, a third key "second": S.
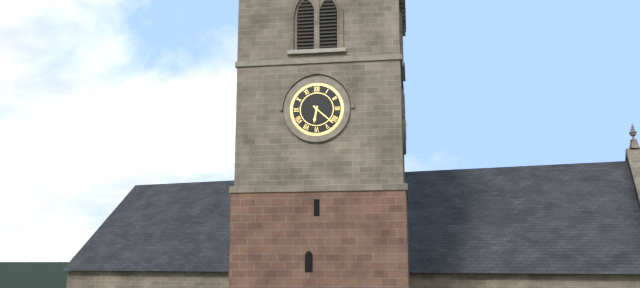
{"hour": 6, "minute": 22}
